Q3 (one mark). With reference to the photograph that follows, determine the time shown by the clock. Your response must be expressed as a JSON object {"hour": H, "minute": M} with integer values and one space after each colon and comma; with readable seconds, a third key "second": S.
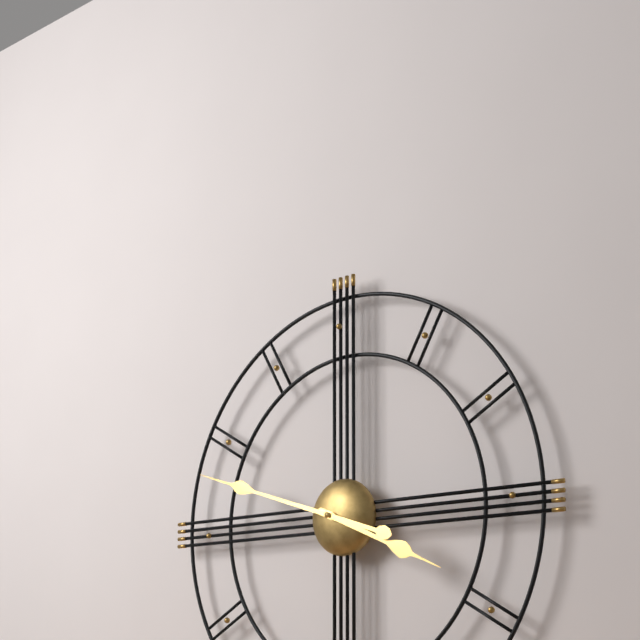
{"hour": 3, "minute": 48}
